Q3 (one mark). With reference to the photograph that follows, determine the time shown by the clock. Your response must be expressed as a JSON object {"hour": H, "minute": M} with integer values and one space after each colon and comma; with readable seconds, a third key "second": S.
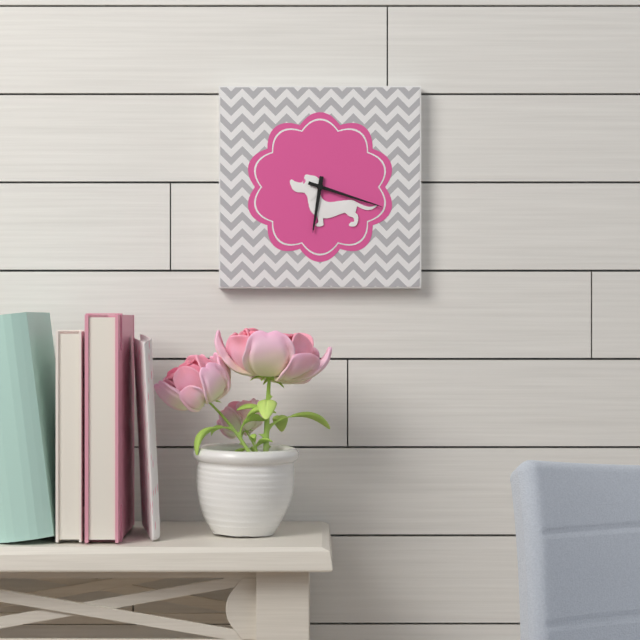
{"hour": 6, "minute": 18}
